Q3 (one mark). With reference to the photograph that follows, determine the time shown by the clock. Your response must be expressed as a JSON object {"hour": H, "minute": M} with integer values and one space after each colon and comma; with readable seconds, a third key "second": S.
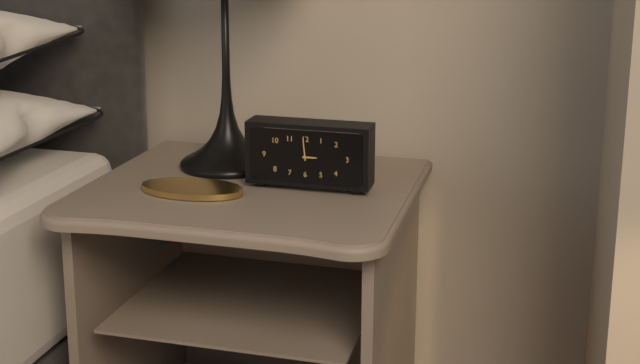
{"hour": 2, "minute": 59}
